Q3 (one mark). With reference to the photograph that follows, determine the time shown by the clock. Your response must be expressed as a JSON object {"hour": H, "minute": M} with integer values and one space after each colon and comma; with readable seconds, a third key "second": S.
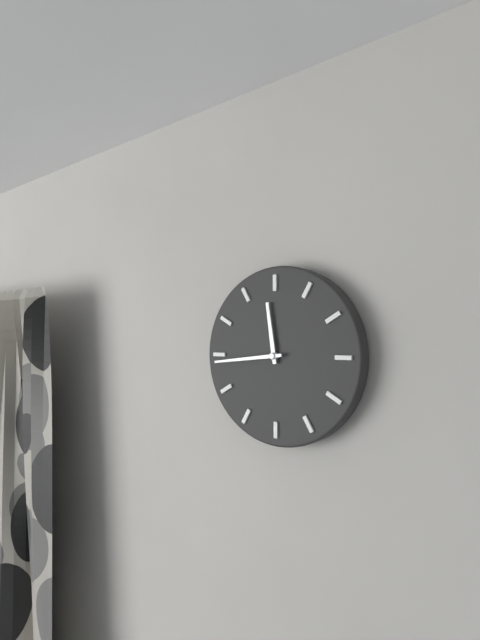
{"hour": 11, "minute": 44}
